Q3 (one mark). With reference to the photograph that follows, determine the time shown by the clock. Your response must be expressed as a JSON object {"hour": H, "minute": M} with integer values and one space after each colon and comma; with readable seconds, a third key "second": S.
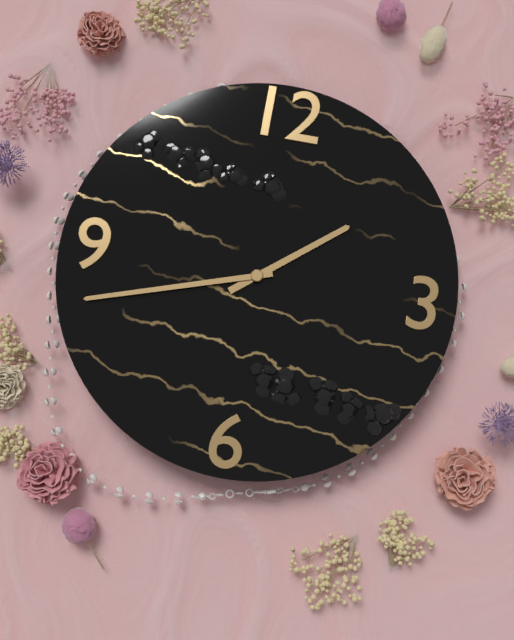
{"hour": 1, "minute": 42}
